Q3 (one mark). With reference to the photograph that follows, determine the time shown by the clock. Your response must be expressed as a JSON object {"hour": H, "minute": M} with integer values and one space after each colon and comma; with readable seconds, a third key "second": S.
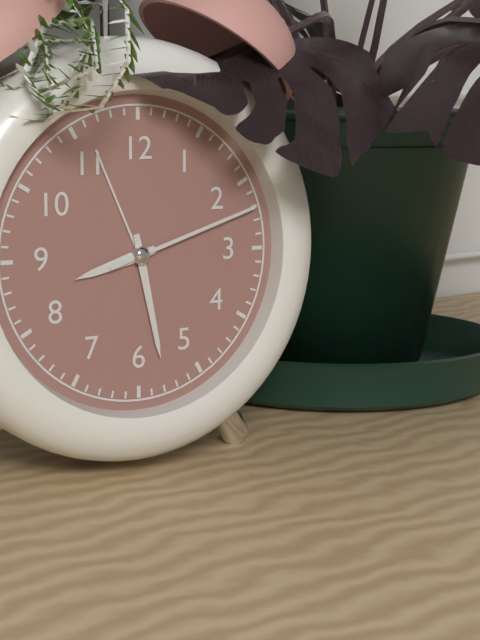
{"hour": 8, "minute": 28, "second": 12}
